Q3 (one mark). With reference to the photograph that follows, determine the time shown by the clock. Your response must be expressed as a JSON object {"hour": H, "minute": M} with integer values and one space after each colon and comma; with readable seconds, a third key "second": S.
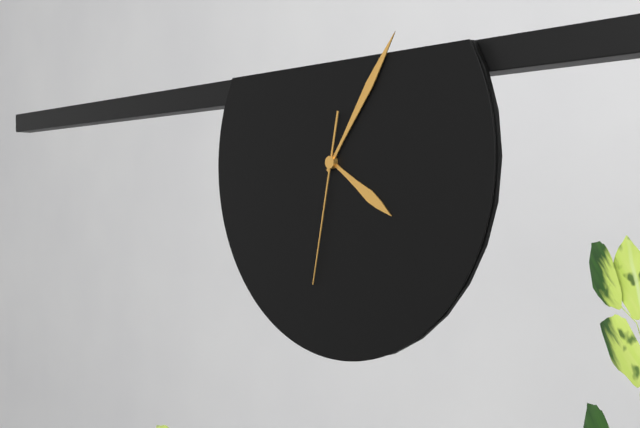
{"hour": 4, "minute": 6, "second": 32}
